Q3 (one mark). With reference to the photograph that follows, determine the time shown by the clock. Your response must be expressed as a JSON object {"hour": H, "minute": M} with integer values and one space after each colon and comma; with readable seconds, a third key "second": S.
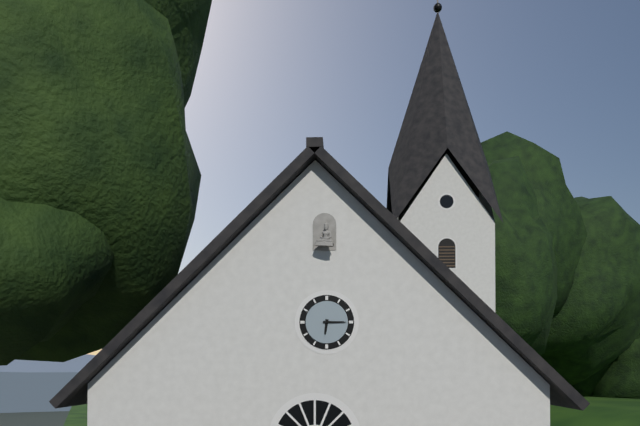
{"hour": 6, "minute": 15}
